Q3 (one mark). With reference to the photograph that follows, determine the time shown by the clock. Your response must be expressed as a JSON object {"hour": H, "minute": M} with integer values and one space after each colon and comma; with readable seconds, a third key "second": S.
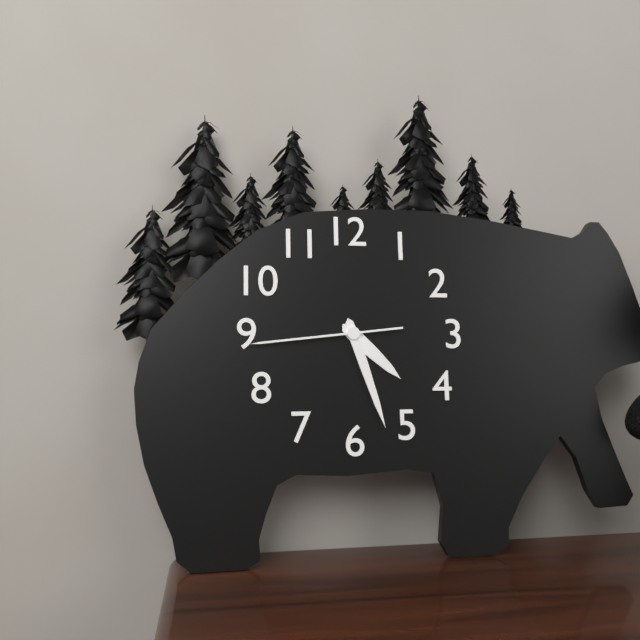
{"hour": 4, "minute": 27, "second": 44}
